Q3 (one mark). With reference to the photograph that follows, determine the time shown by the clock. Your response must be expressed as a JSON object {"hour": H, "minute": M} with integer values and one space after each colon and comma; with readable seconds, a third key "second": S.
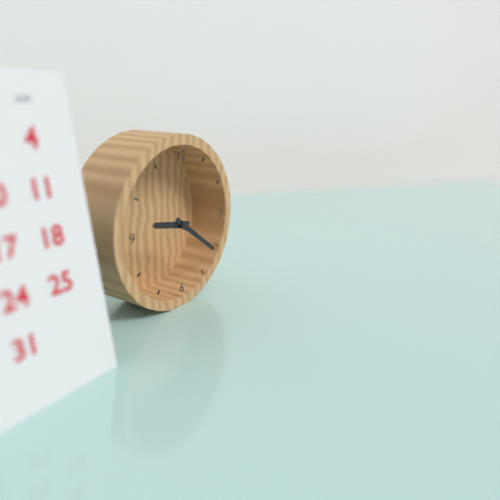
{"hour": 9, "minute": 21}
